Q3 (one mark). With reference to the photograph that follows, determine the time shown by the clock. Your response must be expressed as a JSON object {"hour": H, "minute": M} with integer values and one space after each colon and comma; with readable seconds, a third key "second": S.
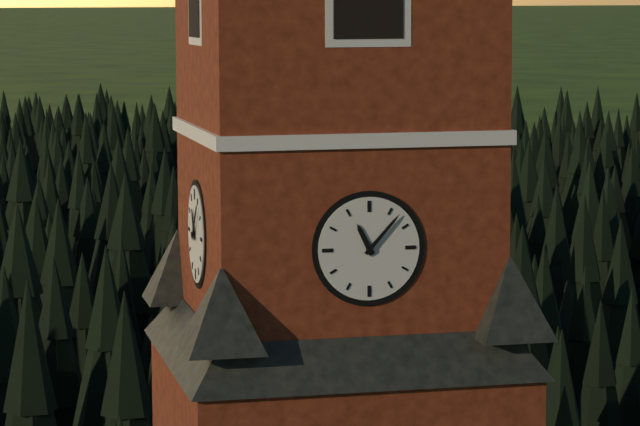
{"hour": 11, "minute": 7}
